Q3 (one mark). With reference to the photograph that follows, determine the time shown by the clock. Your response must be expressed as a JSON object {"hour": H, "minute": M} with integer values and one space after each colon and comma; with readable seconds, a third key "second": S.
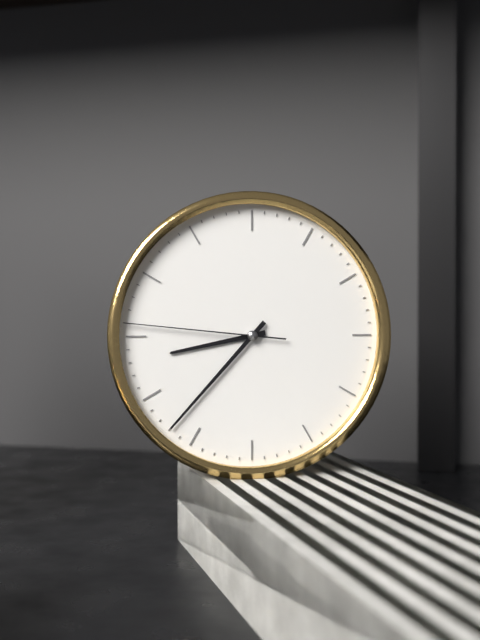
{"hour": 8, "minute": 37, "second": 46}
